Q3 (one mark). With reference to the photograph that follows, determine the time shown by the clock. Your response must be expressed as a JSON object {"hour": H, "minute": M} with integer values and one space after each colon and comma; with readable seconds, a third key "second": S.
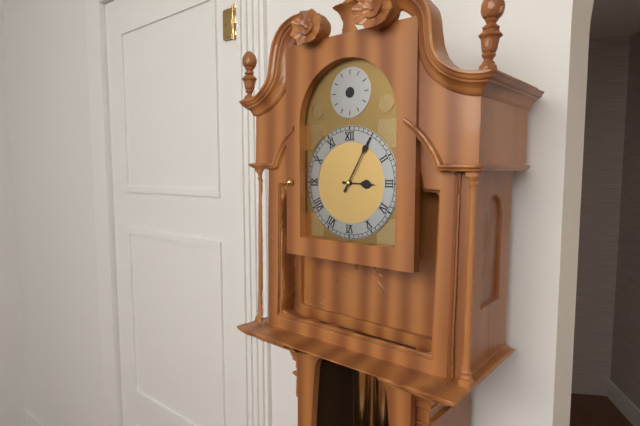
{"hour": 3, "minute": 5}
